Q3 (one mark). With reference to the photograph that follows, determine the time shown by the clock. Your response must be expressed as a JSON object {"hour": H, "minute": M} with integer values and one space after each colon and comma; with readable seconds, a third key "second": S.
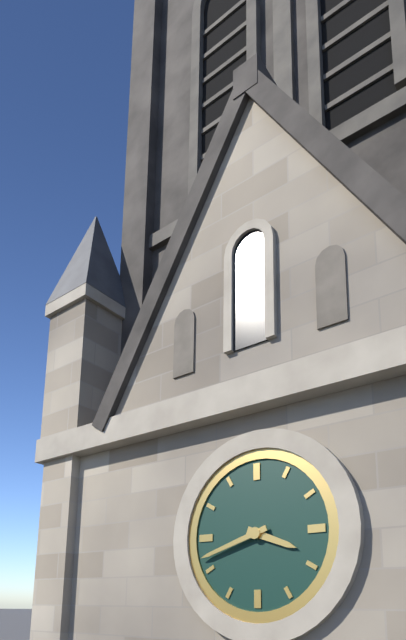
{"hour": 3, "minute": 42}
